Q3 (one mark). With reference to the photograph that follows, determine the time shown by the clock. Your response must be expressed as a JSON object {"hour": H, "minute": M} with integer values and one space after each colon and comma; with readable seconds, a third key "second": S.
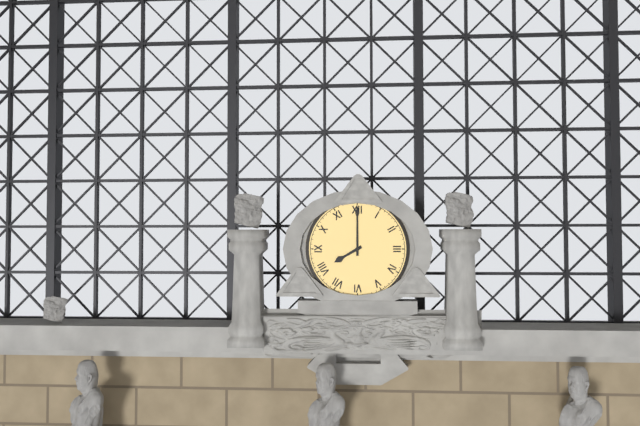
{"hour": 8, "minute": 0}
